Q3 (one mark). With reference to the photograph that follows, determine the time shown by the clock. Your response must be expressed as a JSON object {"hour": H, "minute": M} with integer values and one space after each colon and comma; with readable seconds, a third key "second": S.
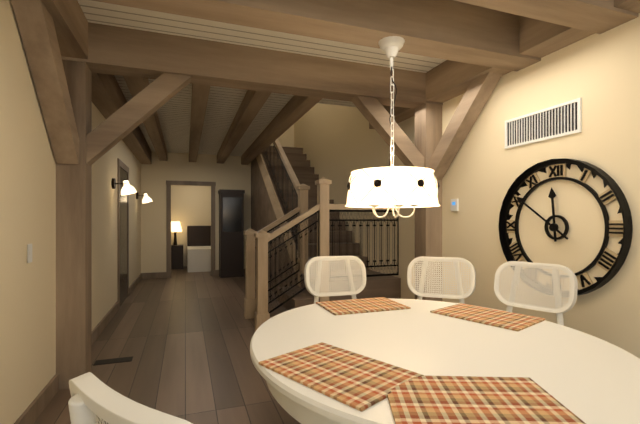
{"hour": 11, "minute": 51}
